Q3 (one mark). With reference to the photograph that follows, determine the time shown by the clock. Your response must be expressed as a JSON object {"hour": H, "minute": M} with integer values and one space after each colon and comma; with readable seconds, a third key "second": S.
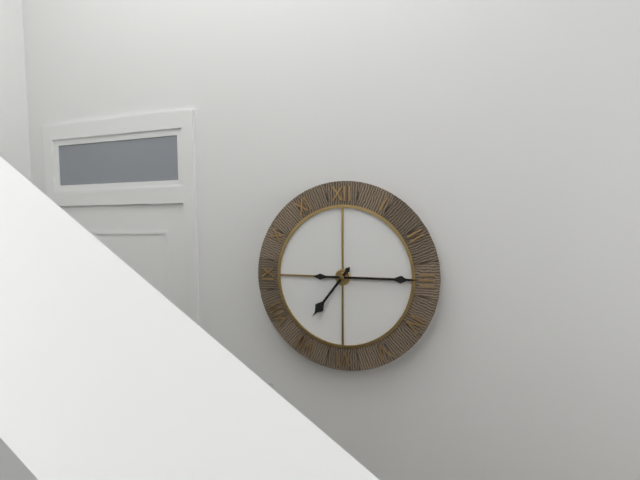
{"hour": 7, "minute": 15}
